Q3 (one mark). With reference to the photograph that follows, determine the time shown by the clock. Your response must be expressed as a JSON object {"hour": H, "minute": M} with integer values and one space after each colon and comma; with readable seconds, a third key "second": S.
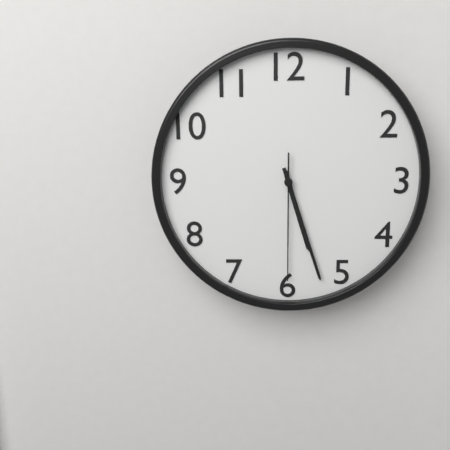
{"hour": 5, "minute": 27, "second": 30}
